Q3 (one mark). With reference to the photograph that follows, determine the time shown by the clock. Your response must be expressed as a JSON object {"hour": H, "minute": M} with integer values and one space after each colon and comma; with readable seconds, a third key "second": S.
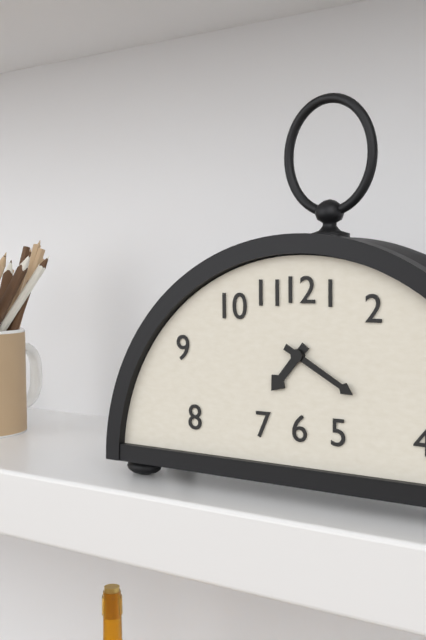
{"hour": 7, "minute": 20}
